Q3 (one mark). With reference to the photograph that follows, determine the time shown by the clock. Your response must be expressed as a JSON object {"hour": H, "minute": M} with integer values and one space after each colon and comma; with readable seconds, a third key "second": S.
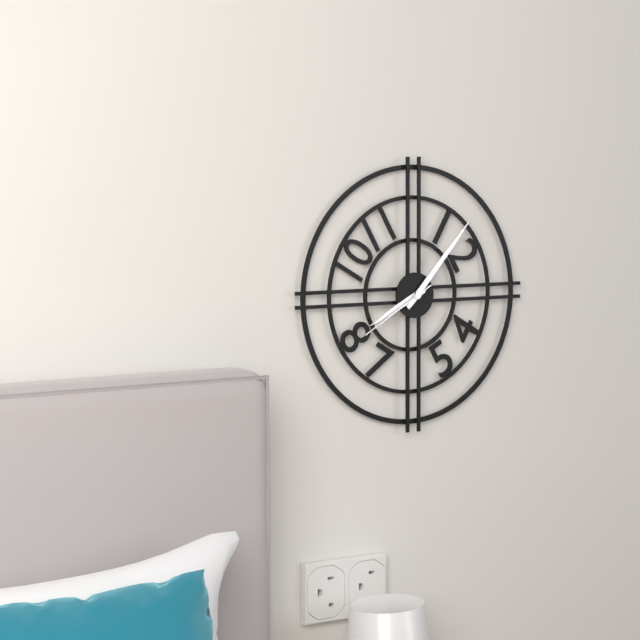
{"hour": 8, "minute": 7, "second": 40}
